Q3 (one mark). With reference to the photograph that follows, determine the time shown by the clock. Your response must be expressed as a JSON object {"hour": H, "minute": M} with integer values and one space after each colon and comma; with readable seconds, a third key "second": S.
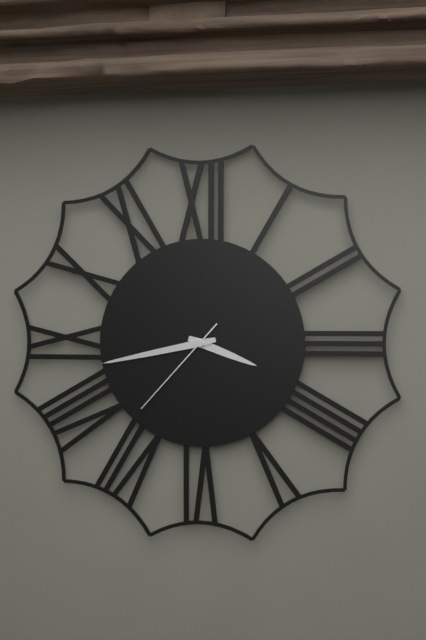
{"hour": 3, "minute": 43, "second": 37}
